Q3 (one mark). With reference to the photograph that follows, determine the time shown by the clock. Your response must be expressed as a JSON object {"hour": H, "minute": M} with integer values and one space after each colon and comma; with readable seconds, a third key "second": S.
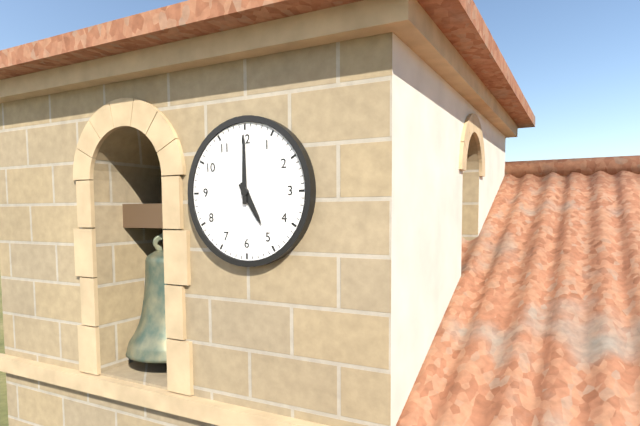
{"hour": 5, "minute": 0}
